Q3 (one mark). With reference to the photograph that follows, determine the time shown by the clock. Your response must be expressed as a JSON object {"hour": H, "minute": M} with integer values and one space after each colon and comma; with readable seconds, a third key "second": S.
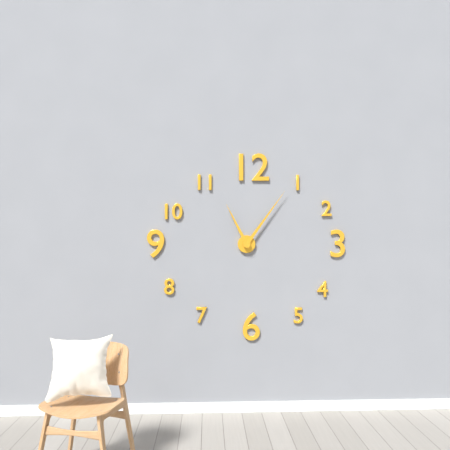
{"hour": 11, "minute": 6}
